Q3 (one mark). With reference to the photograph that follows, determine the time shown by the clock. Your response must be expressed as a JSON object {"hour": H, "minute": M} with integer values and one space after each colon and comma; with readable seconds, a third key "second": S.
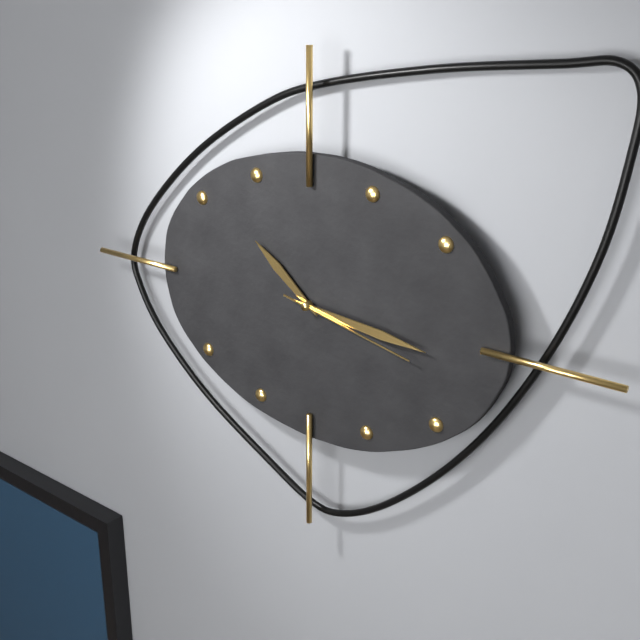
{"hour": 10, "minute": 16, "second": 17}
